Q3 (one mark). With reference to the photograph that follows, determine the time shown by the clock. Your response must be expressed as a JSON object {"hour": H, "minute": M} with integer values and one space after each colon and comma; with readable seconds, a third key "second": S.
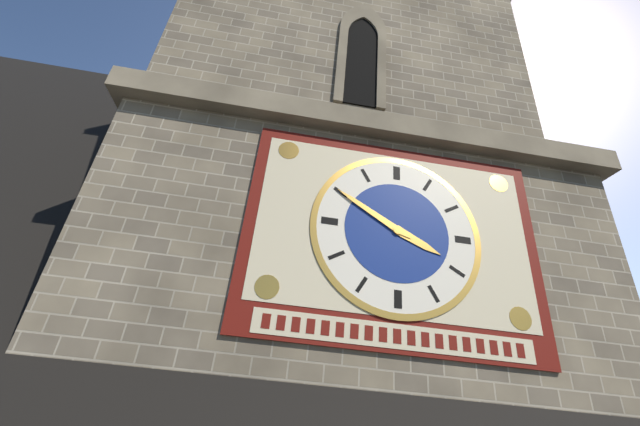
{"hour": 3, "minute": 50}
